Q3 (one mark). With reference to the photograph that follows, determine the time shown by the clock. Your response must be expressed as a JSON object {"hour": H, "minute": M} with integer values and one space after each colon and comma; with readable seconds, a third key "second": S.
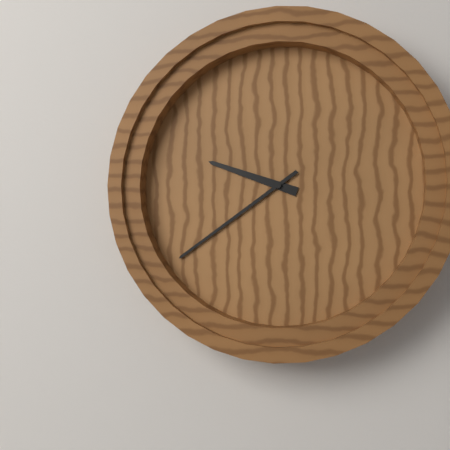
{"hour": 9, "minute": 39}
